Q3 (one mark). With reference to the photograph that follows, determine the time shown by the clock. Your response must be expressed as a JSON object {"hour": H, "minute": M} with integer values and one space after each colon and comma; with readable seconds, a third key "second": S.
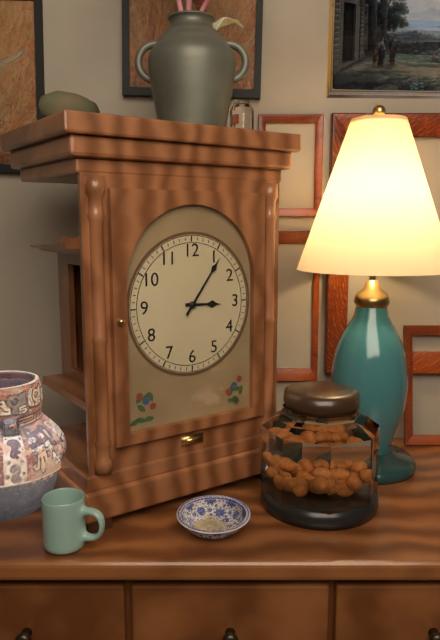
{"hour": 3, "minute": 6}
